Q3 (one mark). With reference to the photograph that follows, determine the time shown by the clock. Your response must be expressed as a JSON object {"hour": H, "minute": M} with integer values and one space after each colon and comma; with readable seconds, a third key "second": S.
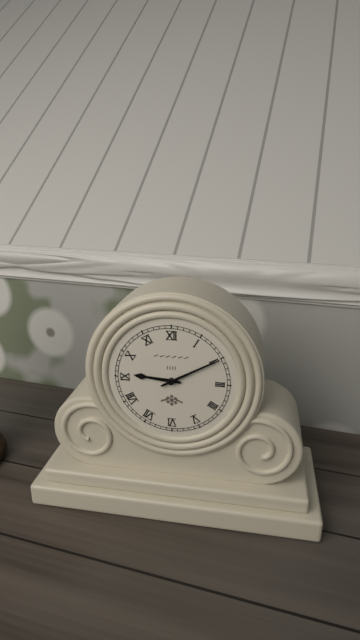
{"hour": 9, "minute": 10}
